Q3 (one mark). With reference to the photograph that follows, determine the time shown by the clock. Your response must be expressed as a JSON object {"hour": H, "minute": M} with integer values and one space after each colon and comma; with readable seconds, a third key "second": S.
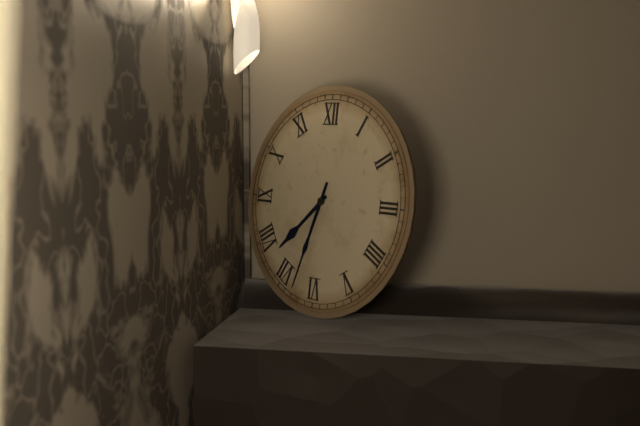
{"hour": 7, "minute": 33}
